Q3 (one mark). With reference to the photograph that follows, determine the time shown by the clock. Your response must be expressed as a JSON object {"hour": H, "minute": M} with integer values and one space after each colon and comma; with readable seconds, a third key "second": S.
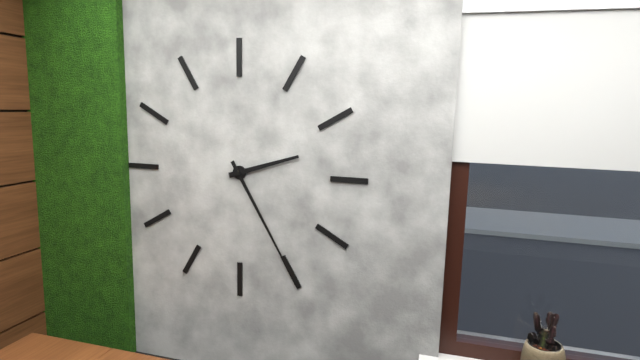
{"hour": 2, "minute": 25}
